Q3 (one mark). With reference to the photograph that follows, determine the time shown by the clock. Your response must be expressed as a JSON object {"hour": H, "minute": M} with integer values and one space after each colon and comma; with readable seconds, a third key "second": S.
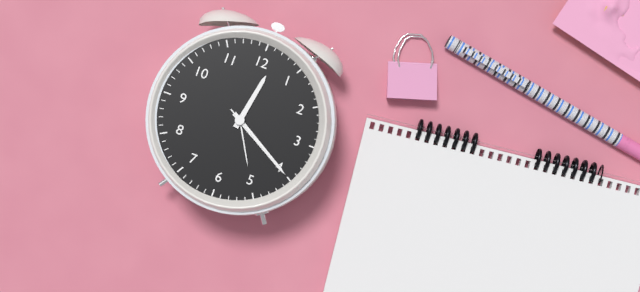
{"hour": 12, "minute": 20, "second": 20}
